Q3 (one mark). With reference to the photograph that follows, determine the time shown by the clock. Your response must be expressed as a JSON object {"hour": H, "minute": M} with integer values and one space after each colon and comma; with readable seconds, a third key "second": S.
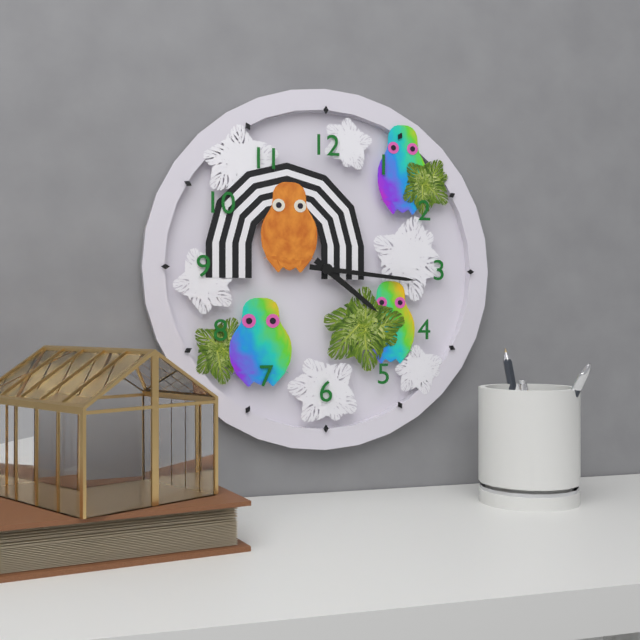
{"hour": 4, "minute": 16}
